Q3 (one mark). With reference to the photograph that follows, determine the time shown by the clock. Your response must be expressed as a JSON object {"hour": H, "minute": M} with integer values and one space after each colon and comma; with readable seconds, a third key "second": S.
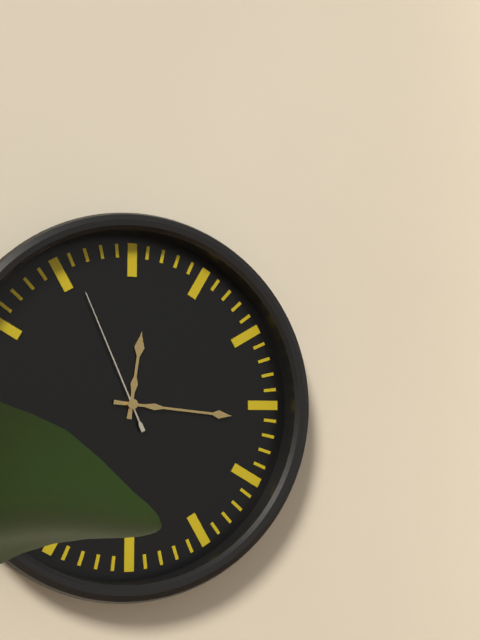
{"hour": 12, "minute": 16, "second": 56}
